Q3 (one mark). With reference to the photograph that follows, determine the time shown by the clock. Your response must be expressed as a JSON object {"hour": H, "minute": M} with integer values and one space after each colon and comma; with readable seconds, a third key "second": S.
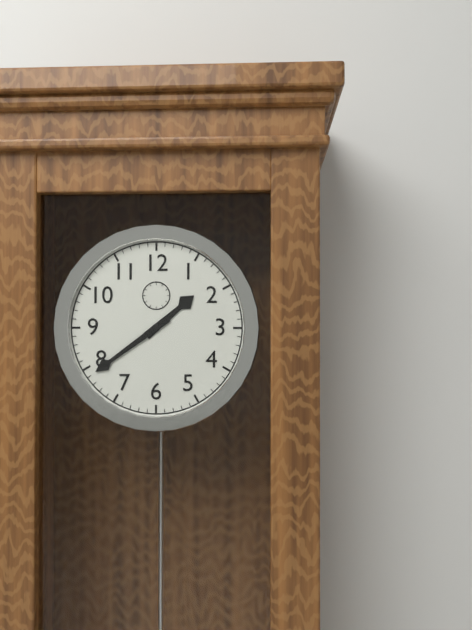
{"hour": 1, "minute": 39}
